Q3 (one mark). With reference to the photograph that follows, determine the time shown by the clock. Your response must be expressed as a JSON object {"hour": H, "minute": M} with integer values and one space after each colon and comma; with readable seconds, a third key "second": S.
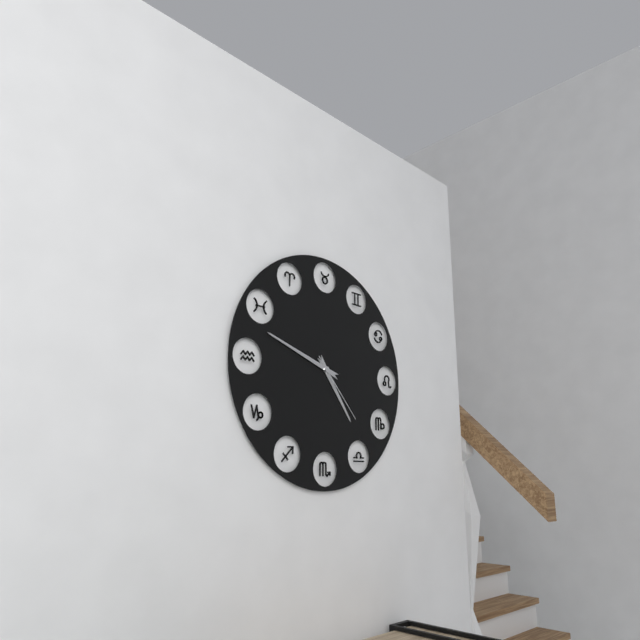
{"hour": 4, "minute": 48, "second": 23}
